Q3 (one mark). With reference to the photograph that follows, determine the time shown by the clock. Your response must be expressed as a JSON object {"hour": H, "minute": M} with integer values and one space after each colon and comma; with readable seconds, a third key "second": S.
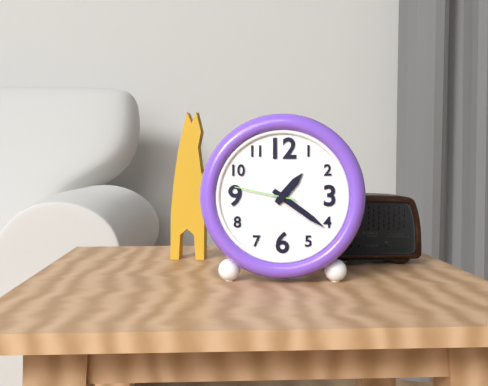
{"hour": 1, "minute": 21, "second": 47}
